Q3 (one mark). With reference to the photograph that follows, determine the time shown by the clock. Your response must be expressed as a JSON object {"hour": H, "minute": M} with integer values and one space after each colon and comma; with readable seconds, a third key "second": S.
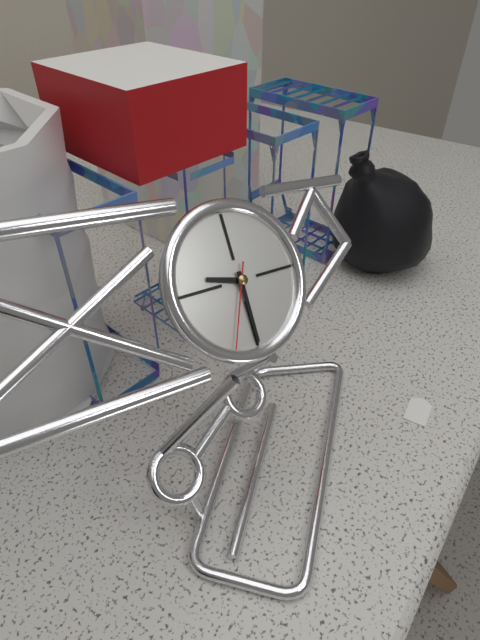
{"hour": 9, "minute": 30, "second": 34}
